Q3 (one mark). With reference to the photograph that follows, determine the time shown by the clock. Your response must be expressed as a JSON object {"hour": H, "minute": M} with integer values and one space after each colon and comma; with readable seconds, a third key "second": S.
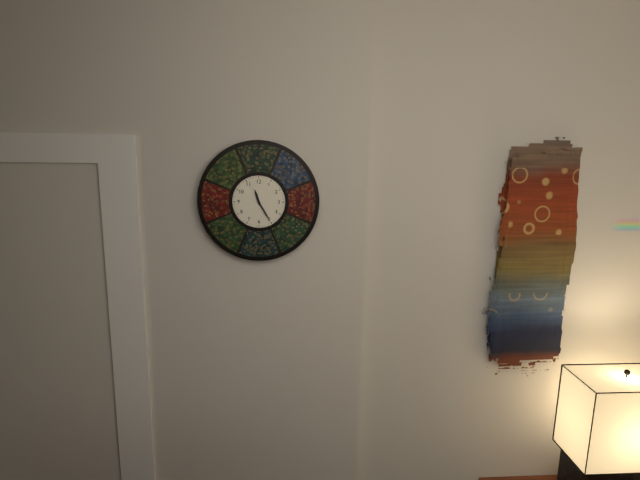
{"hour": 11, "minute": 25}
